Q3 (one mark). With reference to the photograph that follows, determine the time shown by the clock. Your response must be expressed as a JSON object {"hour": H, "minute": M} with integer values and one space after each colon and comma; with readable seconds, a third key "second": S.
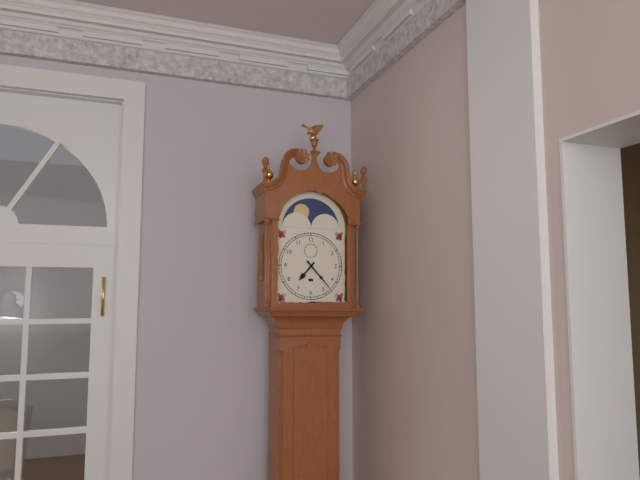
{"hour": 7, "minute": 23}
